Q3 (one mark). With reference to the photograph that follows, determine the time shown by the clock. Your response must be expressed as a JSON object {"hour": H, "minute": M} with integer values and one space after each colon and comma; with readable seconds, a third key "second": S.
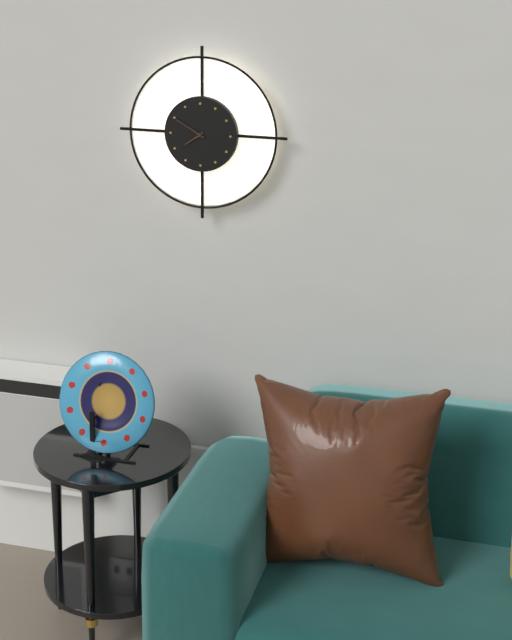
{"hour": 7, "minute": 50}
